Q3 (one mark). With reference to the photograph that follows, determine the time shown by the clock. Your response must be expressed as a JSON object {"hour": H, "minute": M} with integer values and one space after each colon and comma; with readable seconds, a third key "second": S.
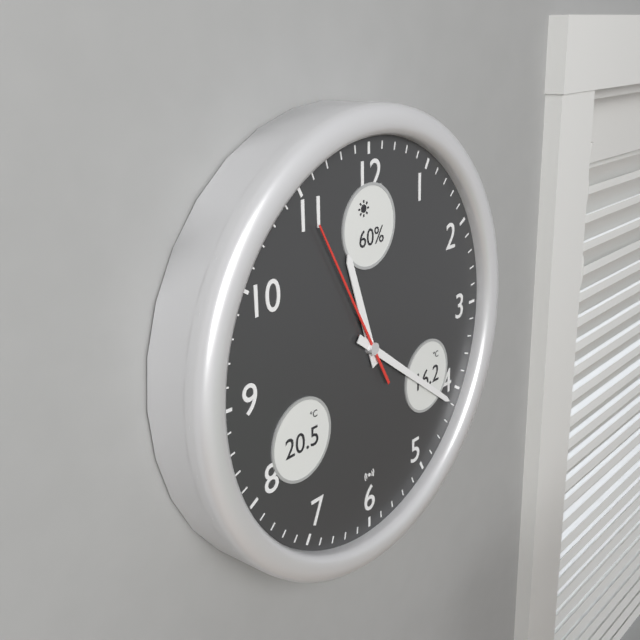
{"hour": 11, "minute": 21, "second": 55}
